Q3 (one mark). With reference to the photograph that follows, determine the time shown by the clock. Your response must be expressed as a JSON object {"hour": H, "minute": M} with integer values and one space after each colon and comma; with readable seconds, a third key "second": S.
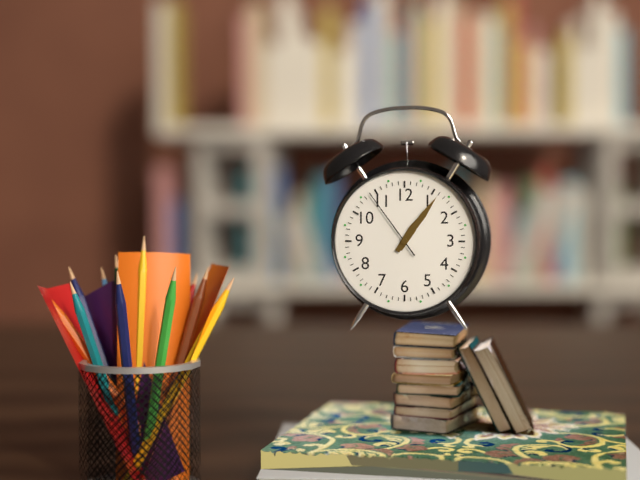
{"hour": 1, "minute": 6, "second": 54}
